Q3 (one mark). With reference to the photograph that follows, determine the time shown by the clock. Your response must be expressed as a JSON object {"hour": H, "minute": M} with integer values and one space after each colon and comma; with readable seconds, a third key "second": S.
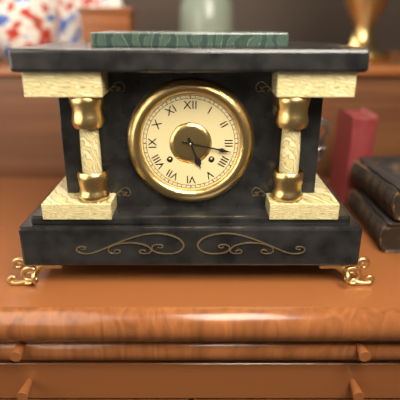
{"hour": 5, "minute": 17}
